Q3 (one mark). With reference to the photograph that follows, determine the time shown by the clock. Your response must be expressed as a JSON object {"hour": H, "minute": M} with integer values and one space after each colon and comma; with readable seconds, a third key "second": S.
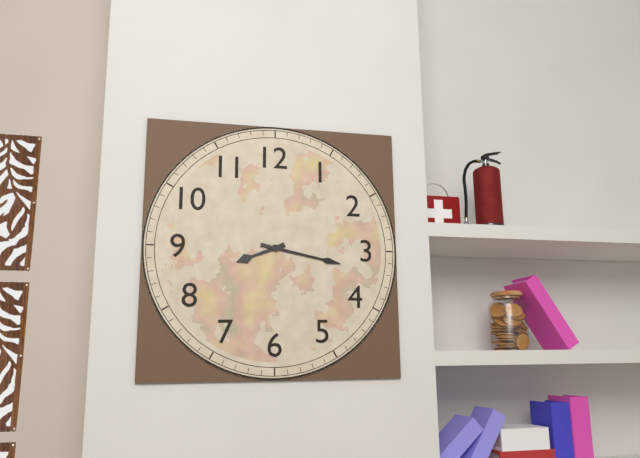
{"hour": 8, "minute": 17}
